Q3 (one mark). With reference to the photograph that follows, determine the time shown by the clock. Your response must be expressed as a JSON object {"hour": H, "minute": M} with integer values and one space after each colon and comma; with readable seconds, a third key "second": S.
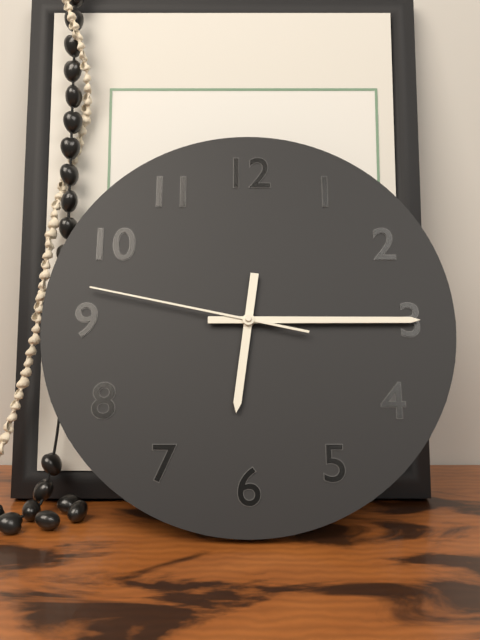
{"hour": 6, "minute": 15, "second": 47}
